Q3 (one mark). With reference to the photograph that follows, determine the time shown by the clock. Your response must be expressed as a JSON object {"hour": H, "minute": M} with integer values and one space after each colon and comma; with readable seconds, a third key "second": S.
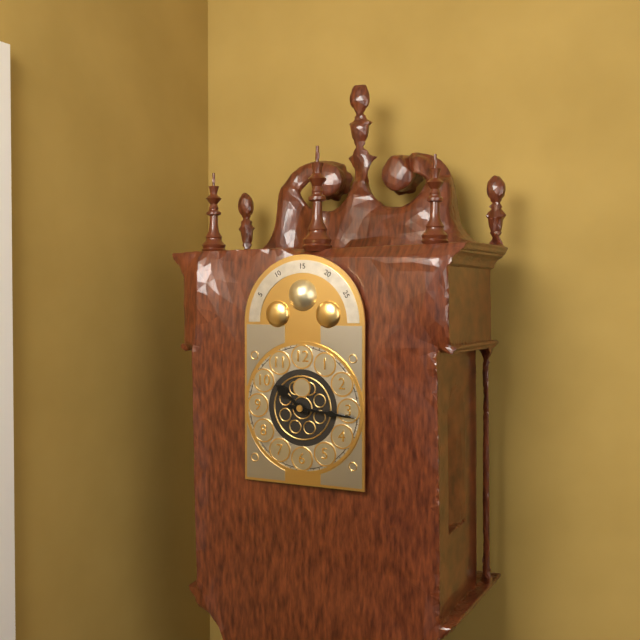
{"hour": 10, "minute": 16}
